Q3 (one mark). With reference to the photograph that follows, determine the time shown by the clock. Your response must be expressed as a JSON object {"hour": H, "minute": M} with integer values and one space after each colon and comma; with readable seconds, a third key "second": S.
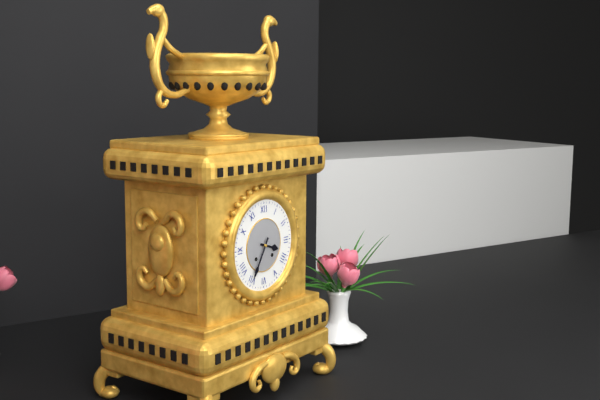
{"hour": 3, "minute": 35}
